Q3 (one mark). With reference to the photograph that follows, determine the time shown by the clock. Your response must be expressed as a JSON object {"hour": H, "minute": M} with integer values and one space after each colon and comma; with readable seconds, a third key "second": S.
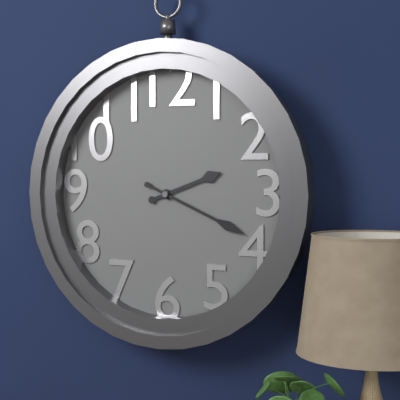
{"hour": 2, "minute": 19}
